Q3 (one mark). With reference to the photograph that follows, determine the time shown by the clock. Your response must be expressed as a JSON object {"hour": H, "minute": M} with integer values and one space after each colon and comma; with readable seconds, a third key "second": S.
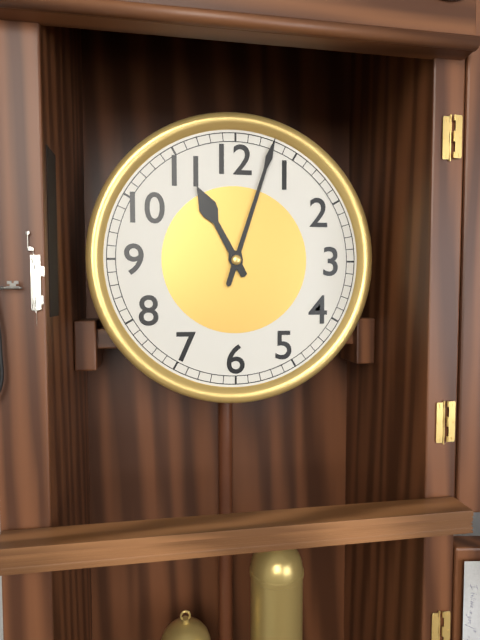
{"hour": 11, "minute": 3}
